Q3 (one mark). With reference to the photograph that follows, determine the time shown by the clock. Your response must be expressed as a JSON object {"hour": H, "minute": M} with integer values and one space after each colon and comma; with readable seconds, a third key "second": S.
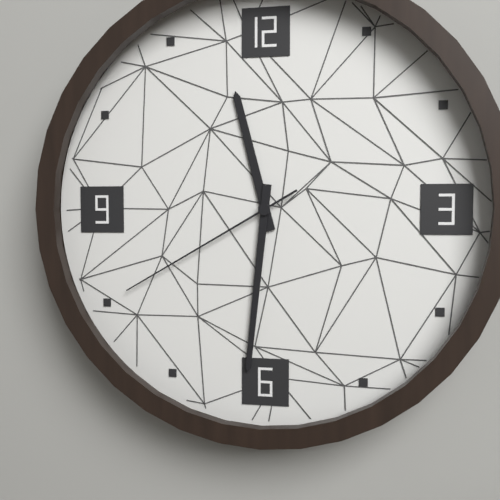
{"hour": 11, "minute": 31, "second": 40}
